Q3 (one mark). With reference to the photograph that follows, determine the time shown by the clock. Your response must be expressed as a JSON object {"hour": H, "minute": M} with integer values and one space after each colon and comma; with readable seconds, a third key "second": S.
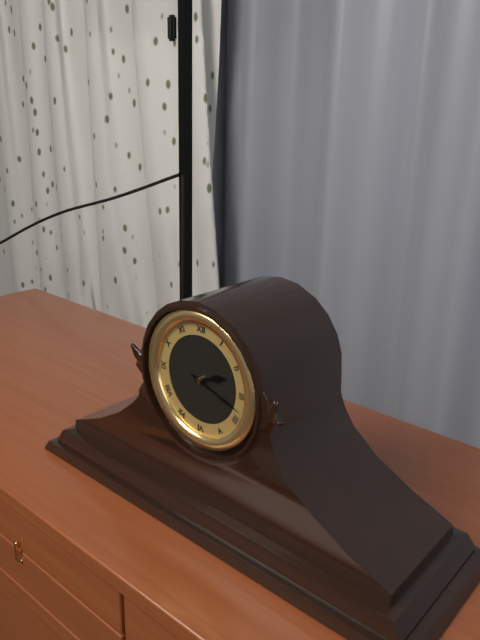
{"hour": 2, "minute": 18}
